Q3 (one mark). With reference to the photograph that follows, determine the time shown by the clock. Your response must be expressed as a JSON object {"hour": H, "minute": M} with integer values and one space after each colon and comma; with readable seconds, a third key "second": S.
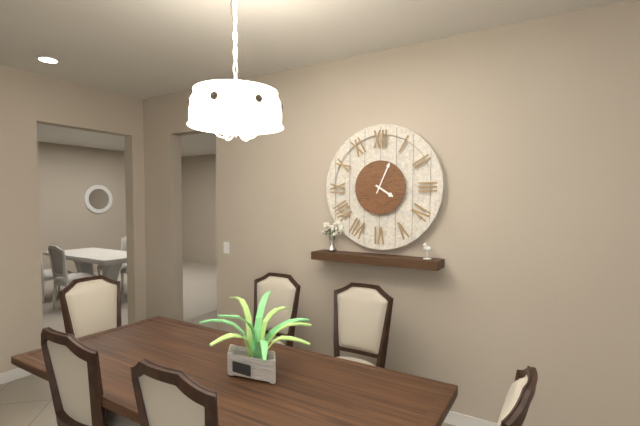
{"hour": 4, "minute": 4}
